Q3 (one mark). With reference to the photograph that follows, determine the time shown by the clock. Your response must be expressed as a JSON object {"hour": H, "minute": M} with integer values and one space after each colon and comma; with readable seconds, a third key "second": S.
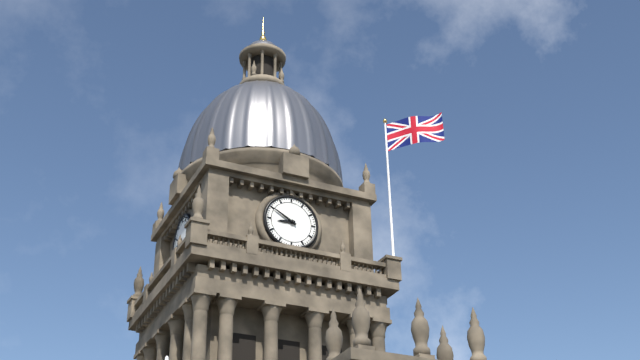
{"hour": 8, "minute": 50}
